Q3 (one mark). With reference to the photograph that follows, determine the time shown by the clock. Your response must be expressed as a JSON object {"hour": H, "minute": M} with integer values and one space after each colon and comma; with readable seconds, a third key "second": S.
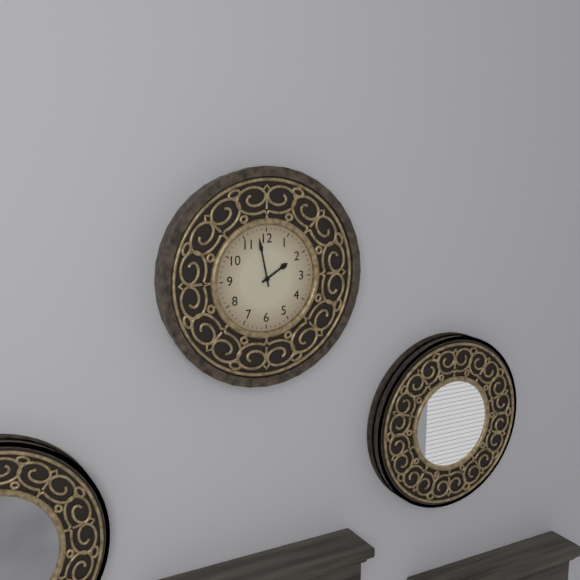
{"hour": 1, "minute": 58}
